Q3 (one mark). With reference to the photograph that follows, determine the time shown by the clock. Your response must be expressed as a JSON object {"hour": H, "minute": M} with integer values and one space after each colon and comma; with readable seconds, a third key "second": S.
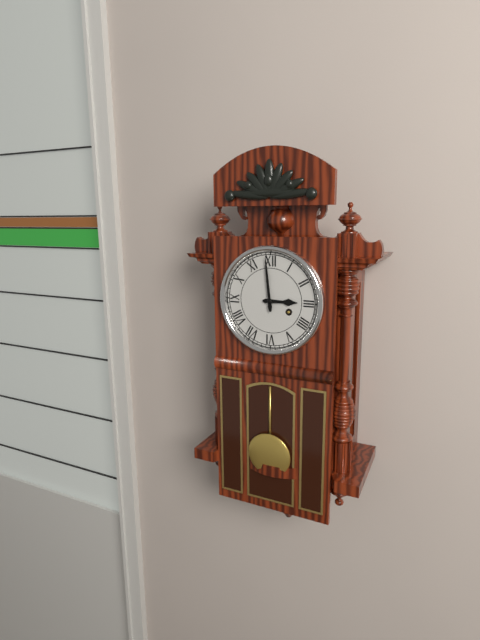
{"hour": 2, "minute": 59}
